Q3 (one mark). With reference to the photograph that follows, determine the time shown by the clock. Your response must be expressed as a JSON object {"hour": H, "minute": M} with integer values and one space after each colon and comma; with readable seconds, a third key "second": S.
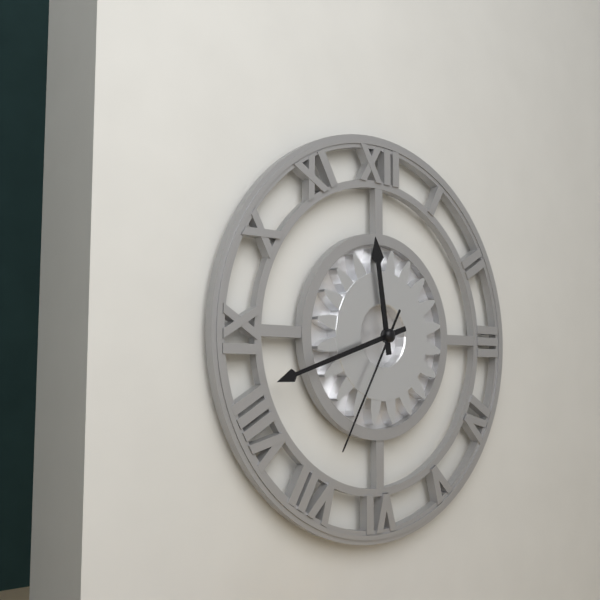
{"hour": 11, "minute": 42, "second": 35}
